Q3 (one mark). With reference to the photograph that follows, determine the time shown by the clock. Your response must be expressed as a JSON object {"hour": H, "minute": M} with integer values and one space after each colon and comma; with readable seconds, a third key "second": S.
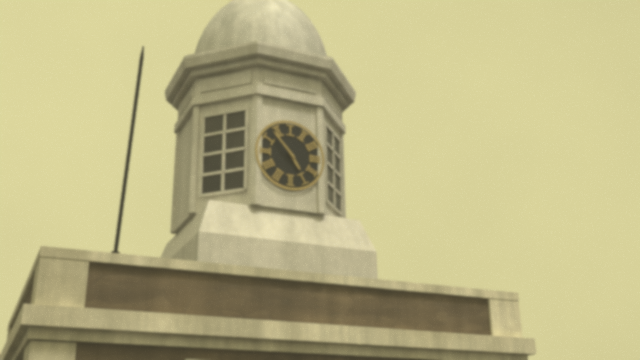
{"hour": 4, "minute": 53}
